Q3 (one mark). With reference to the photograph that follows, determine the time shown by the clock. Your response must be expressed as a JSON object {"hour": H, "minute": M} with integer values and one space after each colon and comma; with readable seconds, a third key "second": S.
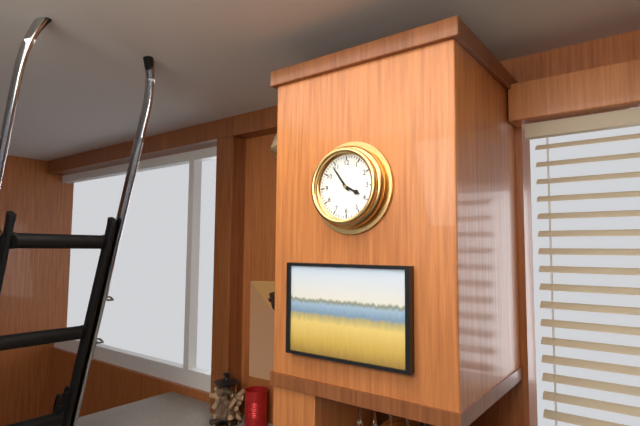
{"hour": 3, "minute": 54}
